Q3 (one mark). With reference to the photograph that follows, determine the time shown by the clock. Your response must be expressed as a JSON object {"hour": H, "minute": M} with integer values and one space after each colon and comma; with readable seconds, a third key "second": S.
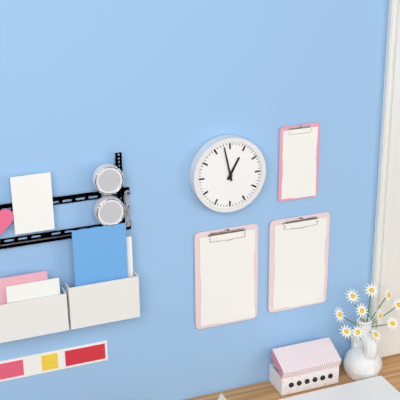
{"hour": 12, "minute": 58}
